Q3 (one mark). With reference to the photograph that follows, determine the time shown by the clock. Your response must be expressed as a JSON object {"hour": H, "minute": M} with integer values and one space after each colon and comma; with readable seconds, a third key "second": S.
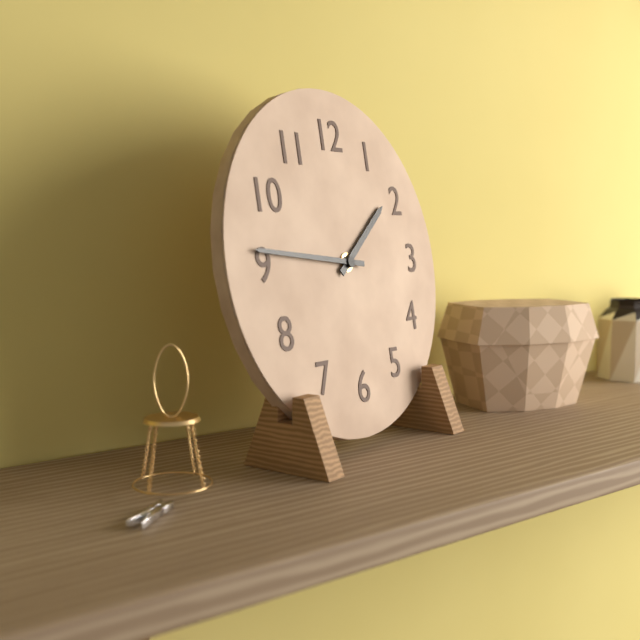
{"hour": 1, "minute": 46}
